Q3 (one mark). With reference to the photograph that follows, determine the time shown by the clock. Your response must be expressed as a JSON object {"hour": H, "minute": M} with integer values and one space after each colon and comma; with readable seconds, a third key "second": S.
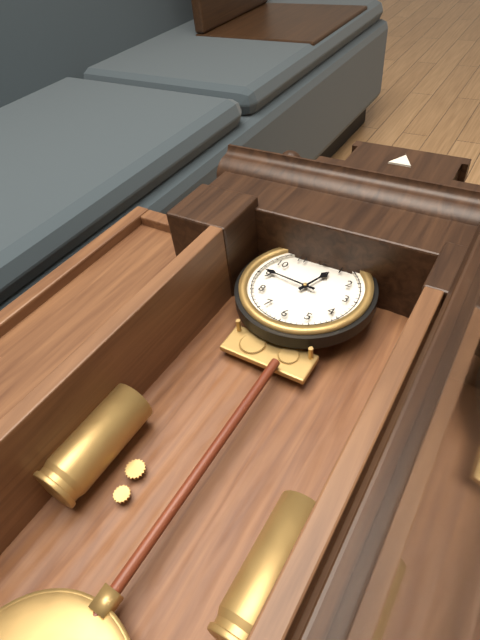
{"hour": 12, "minute": 46}
